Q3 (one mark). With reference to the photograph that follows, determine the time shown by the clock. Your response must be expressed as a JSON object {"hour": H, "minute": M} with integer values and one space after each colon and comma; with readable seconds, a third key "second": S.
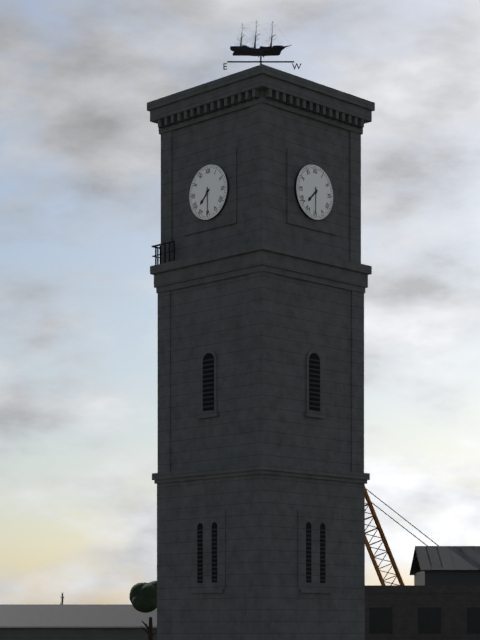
{"hour": 7, "minute": 30}
